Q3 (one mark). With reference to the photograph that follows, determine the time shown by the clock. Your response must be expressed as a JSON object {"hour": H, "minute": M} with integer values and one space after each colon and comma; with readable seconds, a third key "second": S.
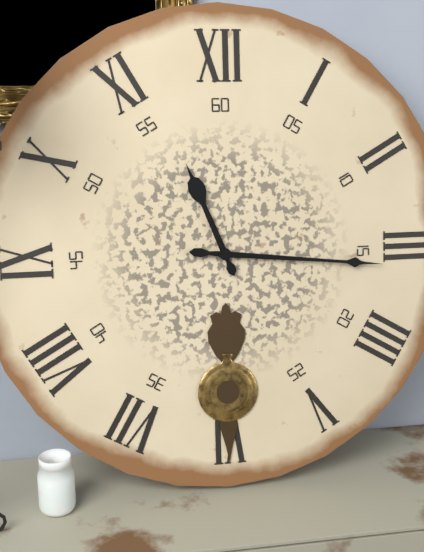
{"hour": 11, "minute": 16}
